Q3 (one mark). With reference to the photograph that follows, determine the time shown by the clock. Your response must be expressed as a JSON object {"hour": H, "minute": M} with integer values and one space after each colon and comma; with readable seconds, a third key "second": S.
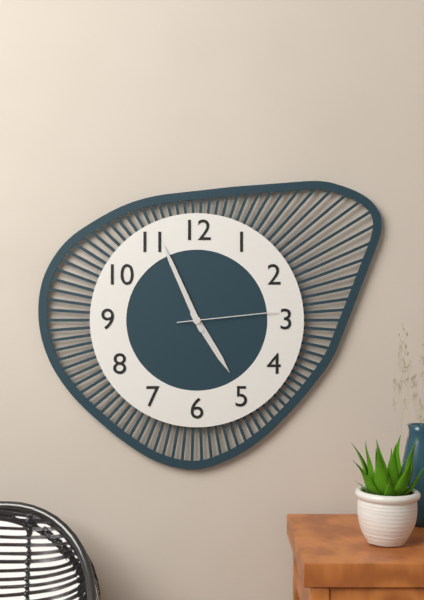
{"hour": 4, "minute": 56, "second": 14}
